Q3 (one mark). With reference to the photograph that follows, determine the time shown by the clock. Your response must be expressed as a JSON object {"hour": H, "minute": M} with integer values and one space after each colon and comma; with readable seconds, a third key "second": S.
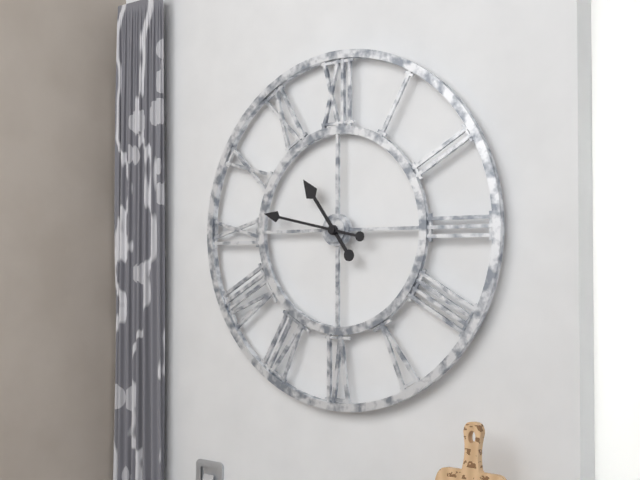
{"hour": 10, "minute": 47}
